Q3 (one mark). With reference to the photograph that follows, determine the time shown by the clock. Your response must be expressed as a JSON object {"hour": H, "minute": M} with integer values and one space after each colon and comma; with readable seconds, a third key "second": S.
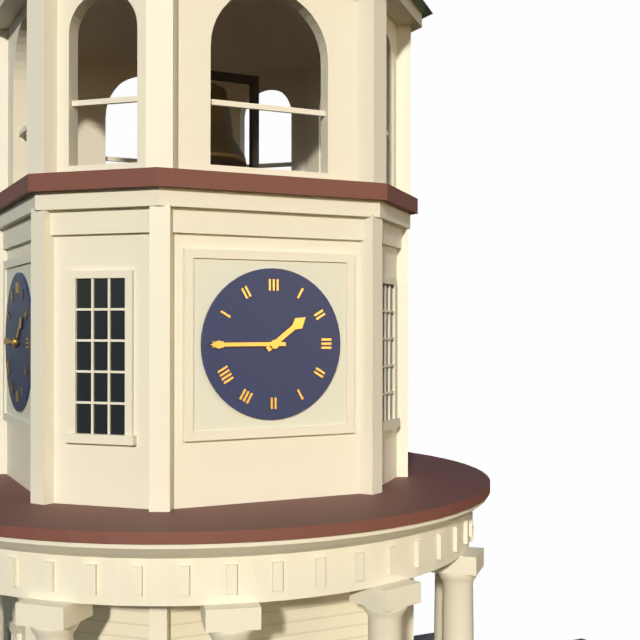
{"hour": 1, "minute": 45}
